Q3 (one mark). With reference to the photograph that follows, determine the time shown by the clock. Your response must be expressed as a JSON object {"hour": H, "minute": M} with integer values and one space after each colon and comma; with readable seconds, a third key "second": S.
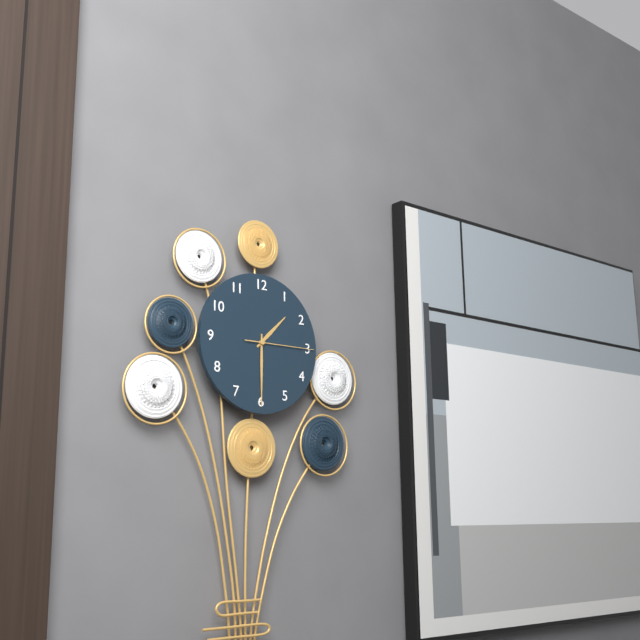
{"hour": 1, "minute": 30, "second": 15}
